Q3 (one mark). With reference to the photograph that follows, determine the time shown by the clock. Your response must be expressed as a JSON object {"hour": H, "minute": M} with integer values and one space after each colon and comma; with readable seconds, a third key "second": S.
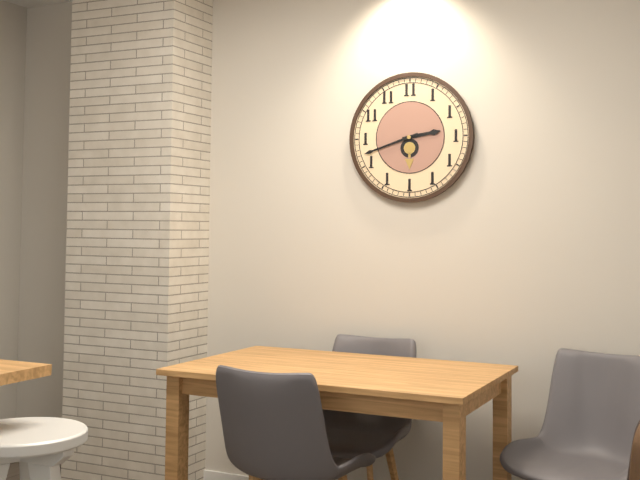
{"hour": 2, "minute": 42}
